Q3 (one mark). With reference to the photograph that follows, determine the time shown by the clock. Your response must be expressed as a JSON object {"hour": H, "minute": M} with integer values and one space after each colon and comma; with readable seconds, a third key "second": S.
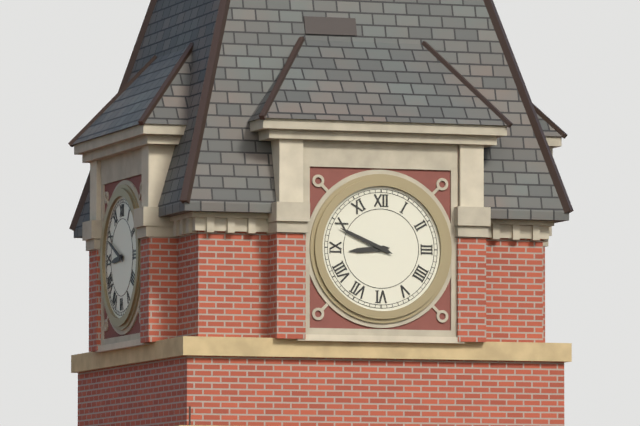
{"hour": 8, "minute": 49}
